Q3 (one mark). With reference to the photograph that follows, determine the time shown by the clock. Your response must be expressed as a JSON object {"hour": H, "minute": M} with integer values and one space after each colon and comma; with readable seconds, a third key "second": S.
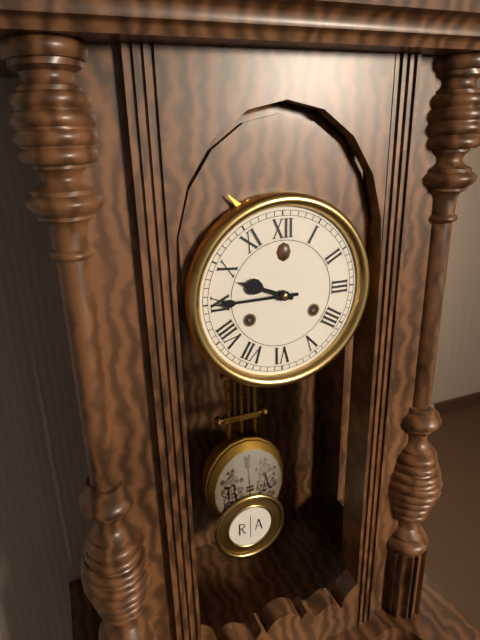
{"hour": 9, "minute": 45}
